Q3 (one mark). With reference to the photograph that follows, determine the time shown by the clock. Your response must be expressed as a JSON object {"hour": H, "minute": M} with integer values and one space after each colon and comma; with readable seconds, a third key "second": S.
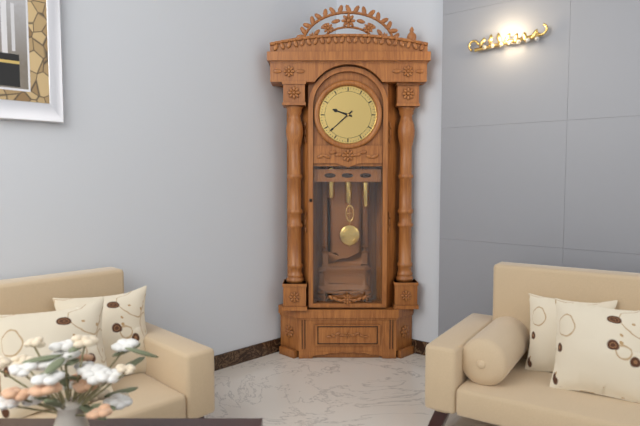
{"hour": 9, "minute": 38}
